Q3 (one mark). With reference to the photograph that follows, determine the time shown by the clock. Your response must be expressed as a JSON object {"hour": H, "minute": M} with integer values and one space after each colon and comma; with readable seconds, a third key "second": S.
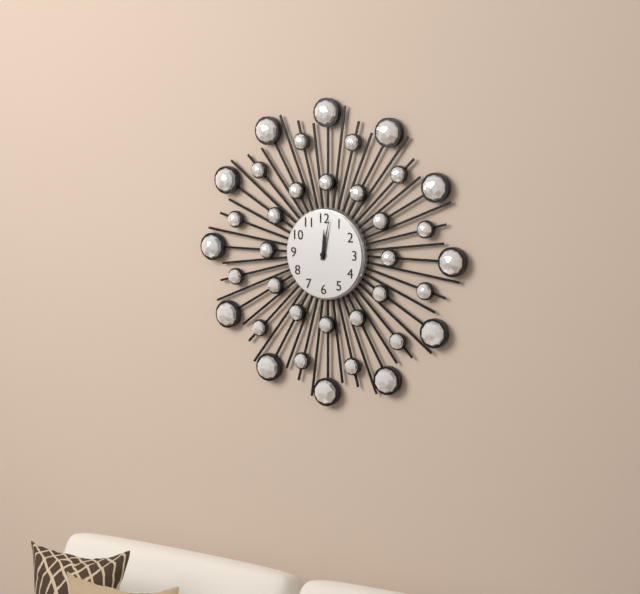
{"hour": 12, "minute": 2}
